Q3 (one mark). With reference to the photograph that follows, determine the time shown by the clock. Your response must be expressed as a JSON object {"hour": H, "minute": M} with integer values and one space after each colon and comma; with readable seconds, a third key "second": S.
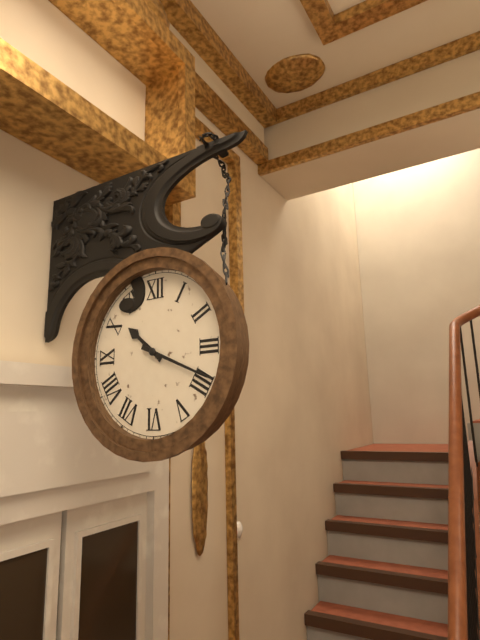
{"hour": 10, "minute": 19}
